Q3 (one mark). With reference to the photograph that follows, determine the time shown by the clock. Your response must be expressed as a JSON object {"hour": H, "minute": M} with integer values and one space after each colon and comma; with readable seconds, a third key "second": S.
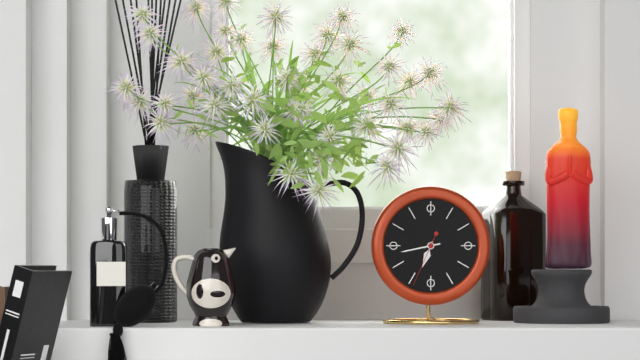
{"hour": 6, "minute": 43, "second": 34}
